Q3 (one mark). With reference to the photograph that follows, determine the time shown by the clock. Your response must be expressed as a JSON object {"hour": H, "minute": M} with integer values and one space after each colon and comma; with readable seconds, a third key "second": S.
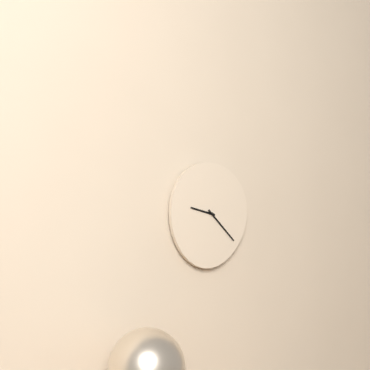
{"hour": 9, "minute": 22}
